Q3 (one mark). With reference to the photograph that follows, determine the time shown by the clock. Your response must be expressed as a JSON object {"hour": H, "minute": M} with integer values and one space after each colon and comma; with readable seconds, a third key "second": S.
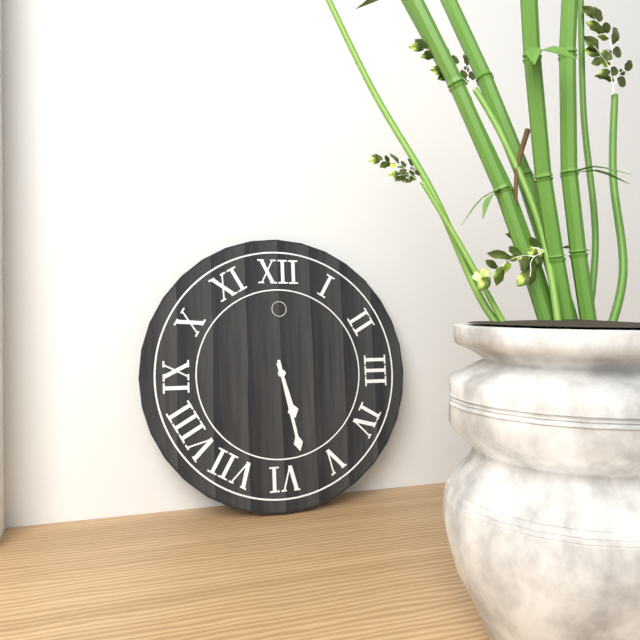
{"hour": 5, "minute": 28}
